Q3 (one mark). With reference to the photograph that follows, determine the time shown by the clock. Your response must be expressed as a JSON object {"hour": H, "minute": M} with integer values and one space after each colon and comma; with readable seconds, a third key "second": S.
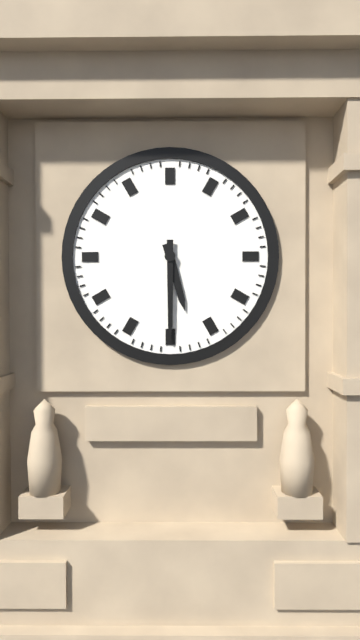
{"hour": 5, "minute": 30}
